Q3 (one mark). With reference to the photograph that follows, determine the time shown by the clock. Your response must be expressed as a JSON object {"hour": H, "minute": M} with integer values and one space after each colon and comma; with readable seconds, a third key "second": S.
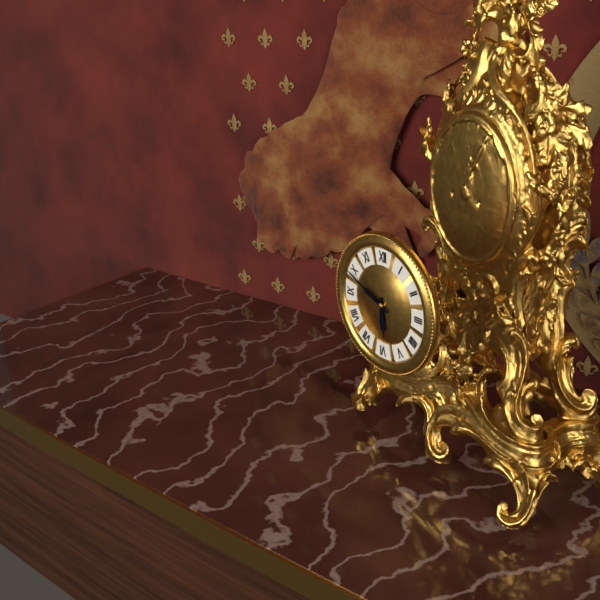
{"hour": 5, "minute": 49}
